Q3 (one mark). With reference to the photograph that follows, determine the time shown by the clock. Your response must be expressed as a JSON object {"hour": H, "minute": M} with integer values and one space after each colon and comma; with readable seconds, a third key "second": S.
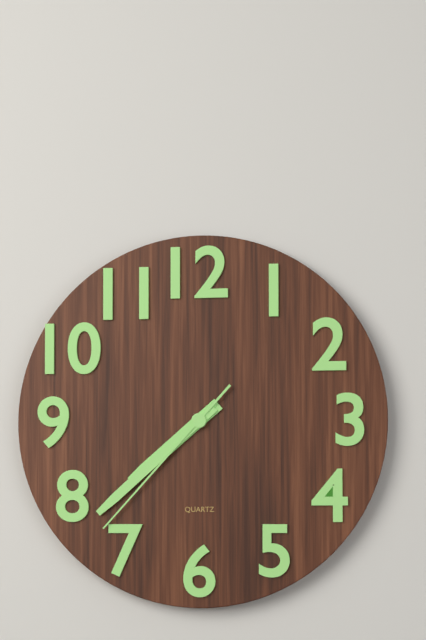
{"hour": 7, "minute": 38, "second": 37}
